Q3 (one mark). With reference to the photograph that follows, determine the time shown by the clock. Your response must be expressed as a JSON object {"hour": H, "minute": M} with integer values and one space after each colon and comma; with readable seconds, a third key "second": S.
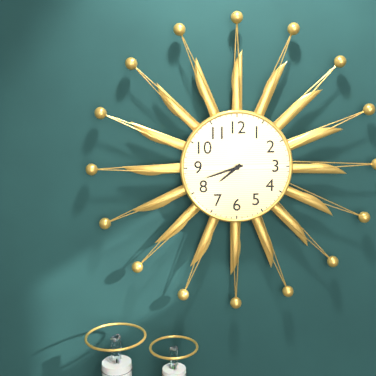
{"hour": 7, "minute": 42}
